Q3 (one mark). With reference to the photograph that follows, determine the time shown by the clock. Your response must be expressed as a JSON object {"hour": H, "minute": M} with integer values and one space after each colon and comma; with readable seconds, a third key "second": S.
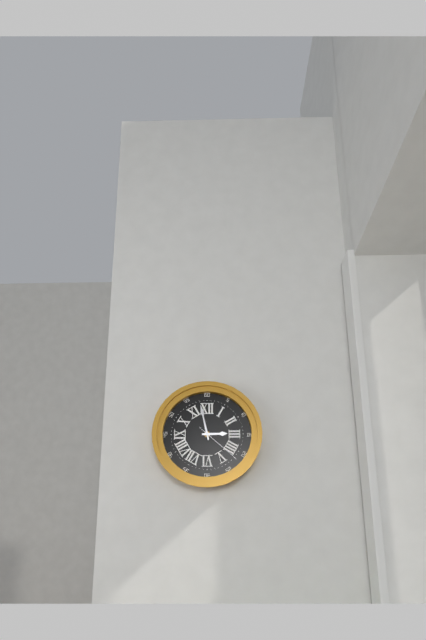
{"hour": 2, "minute": 58}
